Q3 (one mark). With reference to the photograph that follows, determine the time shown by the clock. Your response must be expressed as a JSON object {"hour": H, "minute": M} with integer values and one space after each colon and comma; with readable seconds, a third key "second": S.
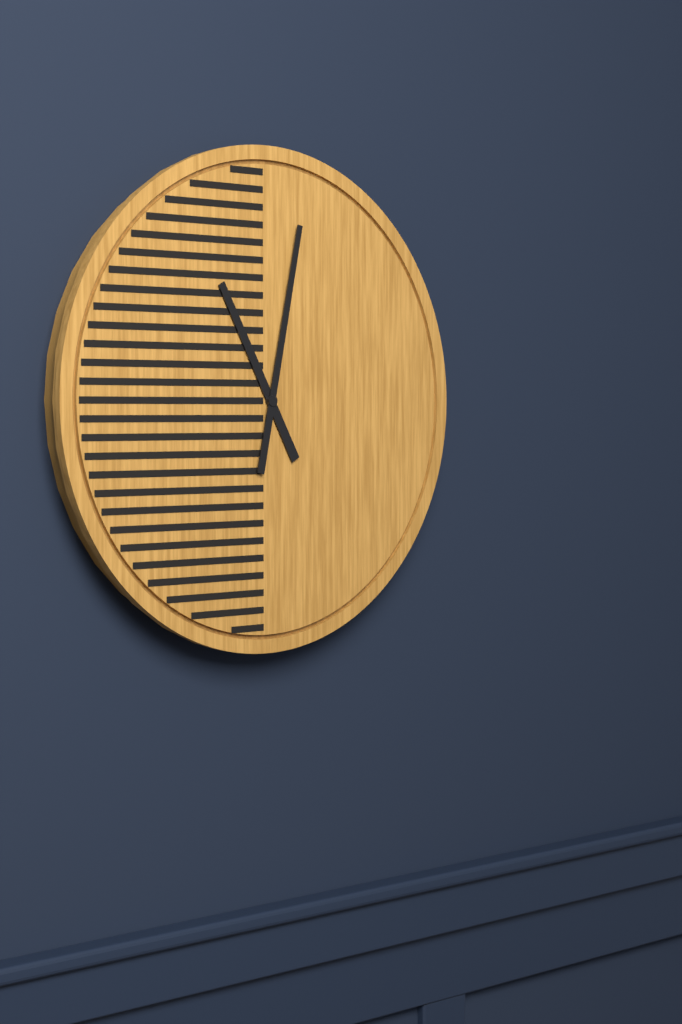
{"hour": 11, "minute": 2}
